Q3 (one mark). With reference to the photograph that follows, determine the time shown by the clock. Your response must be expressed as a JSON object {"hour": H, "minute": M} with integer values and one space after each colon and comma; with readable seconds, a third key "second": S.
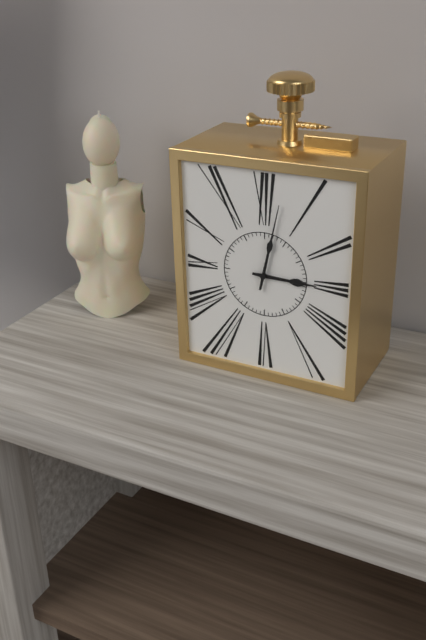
{"hour": 3, "minute": 2}
